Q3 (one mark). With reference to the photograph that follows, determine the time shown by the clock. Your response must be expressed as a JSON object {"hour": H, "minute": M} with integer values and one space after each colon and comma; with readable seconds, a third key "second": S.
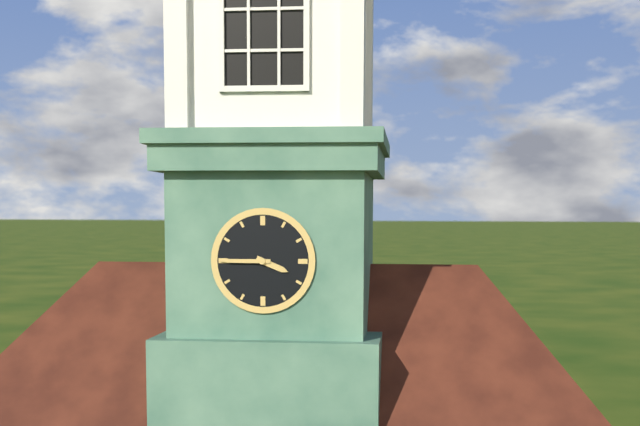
{"hour": 3, "minute": 45}
